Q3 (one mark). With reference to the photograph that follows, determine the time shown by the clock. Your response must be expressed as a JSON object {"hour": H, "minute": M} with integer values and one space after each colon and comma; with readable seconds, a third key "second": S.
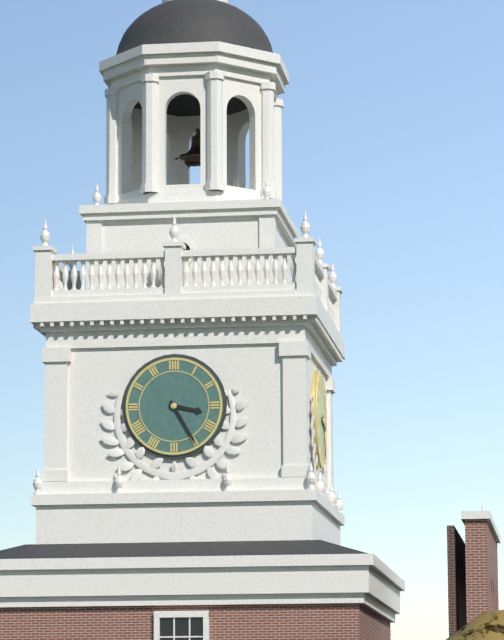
{"hour": 3, "minute": 25}
